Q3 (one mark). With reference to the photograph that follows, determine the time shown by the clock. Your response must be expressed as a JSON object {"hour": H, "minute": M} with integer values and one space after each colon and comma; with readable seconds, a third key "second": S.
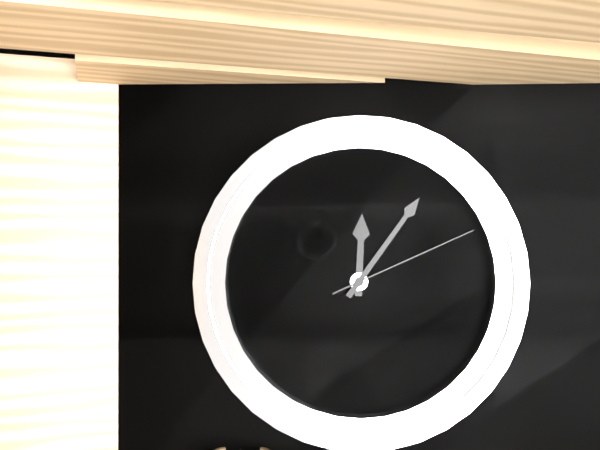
{"hour": 12, "minute": 6, "second": 11}
